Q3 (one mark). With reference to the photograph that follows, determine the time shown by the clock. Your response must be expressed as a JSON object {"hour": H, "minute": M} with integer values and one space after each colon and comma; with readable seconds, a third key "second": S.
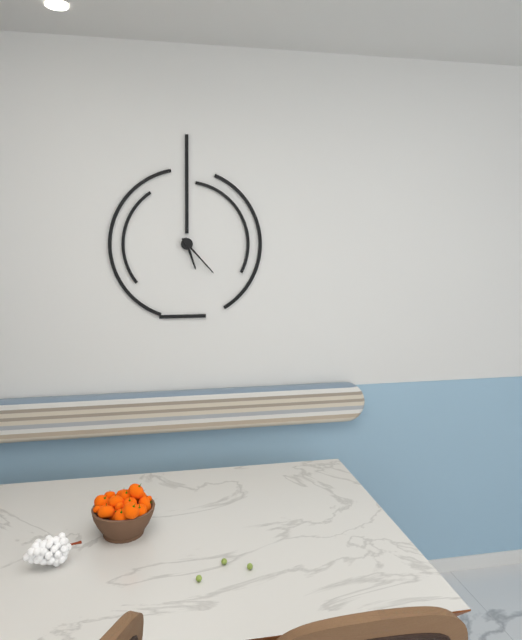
{"hour": 5, "minute": 23}
